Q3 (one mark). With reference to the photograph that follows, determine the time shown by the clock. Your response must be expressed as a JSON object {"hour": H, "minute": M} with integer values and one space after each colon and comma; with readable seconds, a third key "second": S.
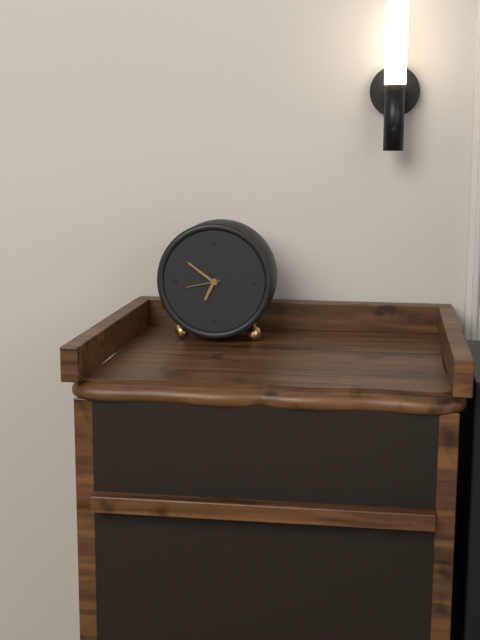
{"hour": 6, "minute": 51}
